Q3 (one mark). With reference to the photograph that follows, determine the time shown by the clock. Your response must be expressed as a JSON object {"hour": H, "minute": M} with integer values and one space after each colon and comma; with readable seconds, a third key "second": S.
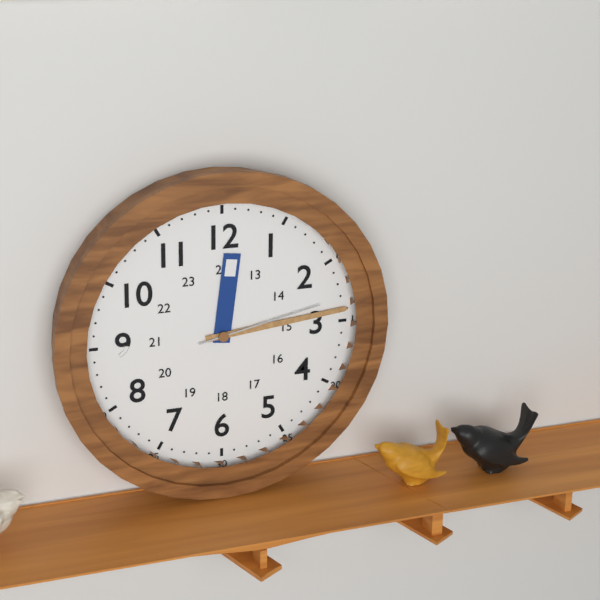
{"hour": 12, "minute": 14, "second": 13}
